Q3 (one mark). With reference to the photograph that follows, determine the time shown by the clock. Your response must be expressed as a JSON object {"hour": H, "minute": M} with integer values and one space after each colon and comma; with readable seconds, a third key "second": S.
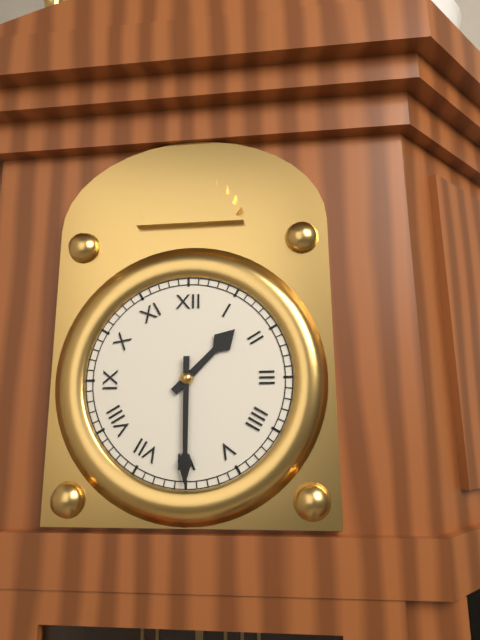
{"hour": 1, "minute": 30}
